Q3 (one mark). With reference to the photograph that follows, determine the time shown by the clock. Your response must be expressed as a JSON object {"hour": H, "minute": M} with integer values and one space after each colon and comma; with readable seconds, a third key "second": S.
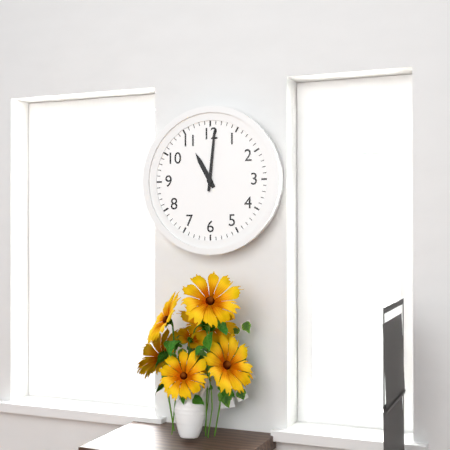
{"hour": 11, "minute": 1}
